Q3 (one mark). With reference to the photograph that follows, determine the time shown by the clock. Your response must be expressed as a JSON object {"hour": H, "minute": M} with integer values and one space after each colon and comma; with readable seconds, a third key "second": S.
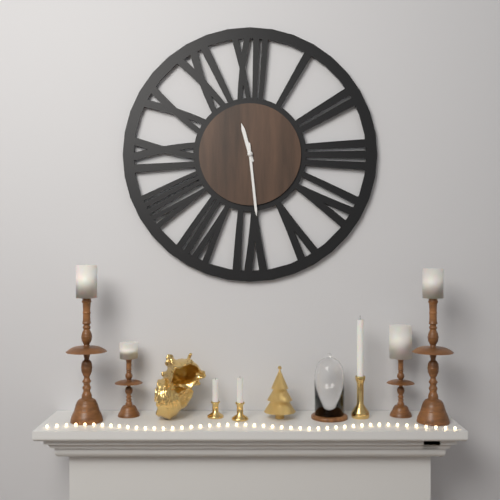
{"hour": 11, "minute": 29}
